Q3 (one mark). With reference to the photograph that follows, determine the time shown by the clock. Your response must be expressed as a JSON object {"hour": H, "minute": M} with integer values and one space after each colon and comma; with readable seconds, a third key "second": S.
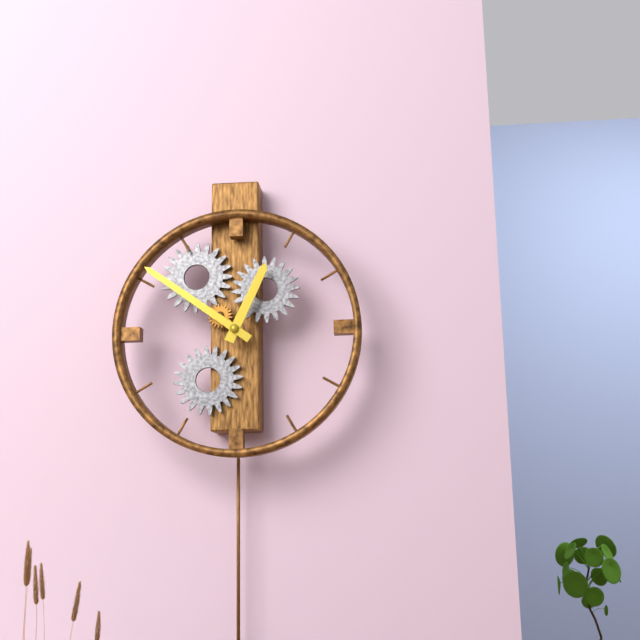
{"hour": 12, "minute": 51}
